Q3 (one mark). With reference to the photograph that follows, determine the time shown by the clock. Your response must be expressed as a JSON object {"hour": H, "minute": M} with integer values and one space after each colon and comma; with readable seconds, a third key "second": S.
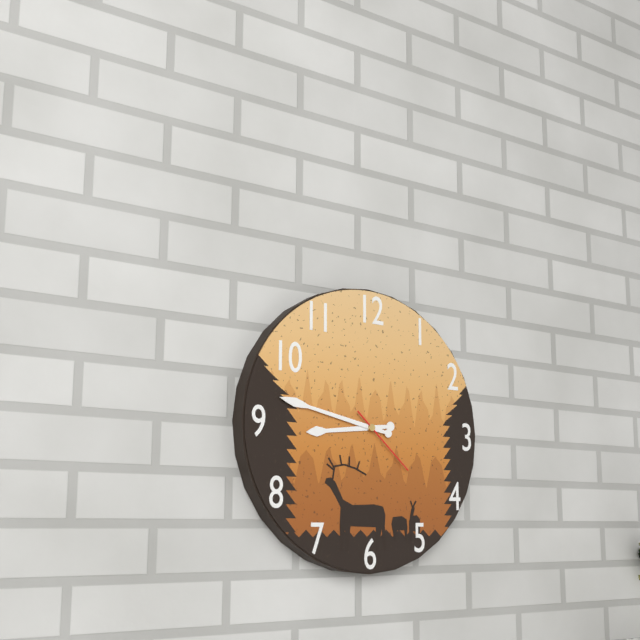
{"hour": 8, "minute": 47, "second": 22}
